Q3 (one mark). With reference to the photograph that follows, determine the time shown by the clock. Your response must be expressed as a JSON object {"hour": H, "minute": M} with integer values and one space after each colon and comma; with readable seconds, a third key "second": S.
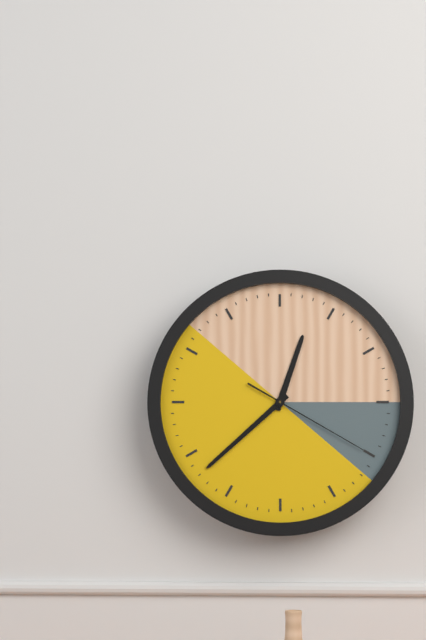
{"hour": 12, "minute": 38, "second": 20}
